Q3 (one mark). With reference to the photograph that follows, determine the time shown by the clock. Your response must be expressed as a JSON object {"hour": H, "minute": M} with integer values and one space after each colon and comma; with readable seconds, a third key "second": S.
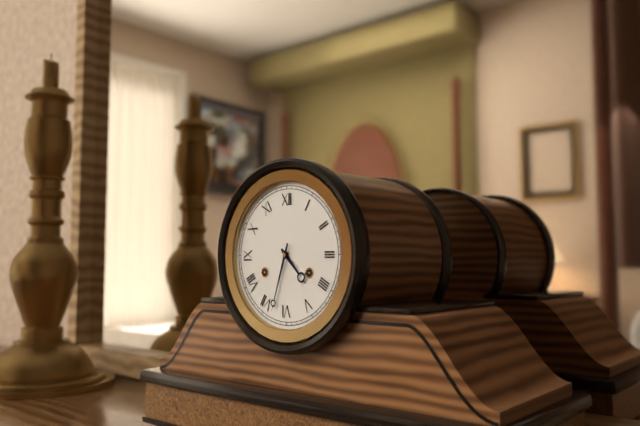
{"hour": 4, "minute": 33}
